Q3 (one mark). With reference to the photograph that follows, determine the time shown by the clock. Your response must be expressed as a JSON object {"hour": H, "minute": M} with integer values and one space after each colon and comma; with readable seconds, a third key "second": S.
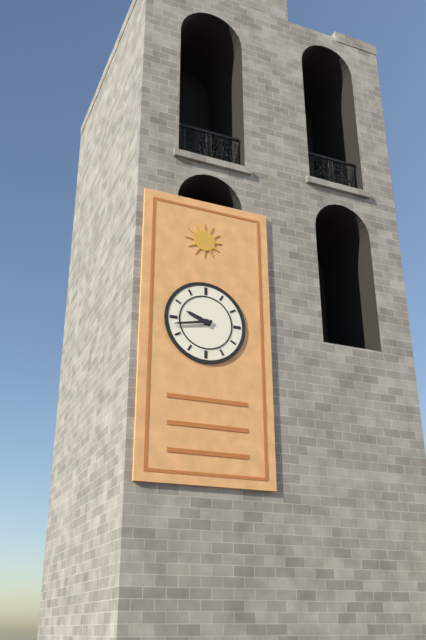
{"hour": 9, "minute": 43}
